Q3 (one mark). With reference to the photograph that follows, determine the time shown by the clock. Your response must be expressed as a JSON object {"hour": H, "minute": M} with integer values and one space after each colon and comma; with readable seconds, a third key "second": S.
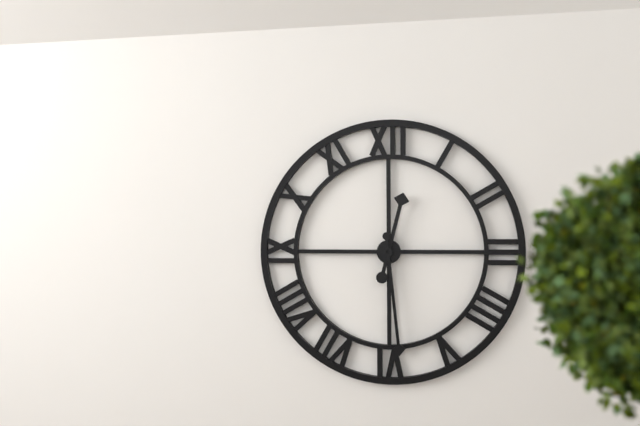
{"hour": 12, "minute": 29}
